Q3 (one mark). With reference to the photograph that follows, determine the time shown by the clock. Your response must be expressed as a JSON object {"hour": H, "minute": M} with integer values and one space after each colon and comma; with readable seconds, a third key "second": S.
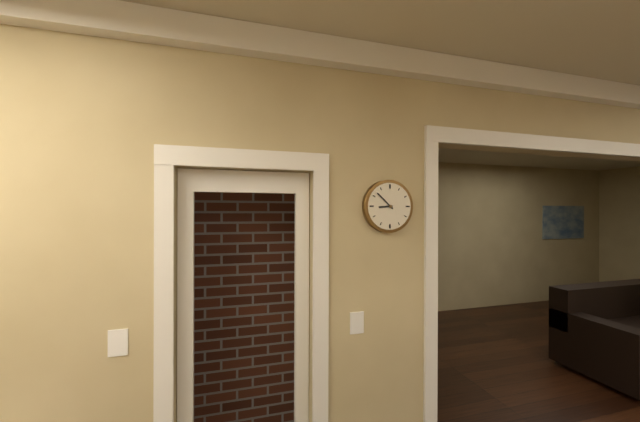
{"hour": 8, "minute": 52}
